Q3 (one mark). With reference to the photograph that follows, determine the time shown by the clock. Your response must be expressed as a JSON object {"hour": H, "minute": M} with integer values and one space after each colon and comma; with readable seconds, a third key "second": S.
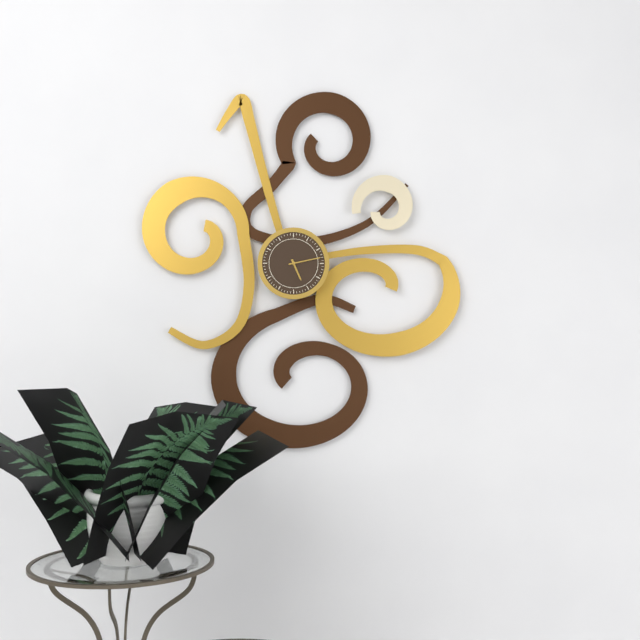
{"hour": 5, "minute": 13}
